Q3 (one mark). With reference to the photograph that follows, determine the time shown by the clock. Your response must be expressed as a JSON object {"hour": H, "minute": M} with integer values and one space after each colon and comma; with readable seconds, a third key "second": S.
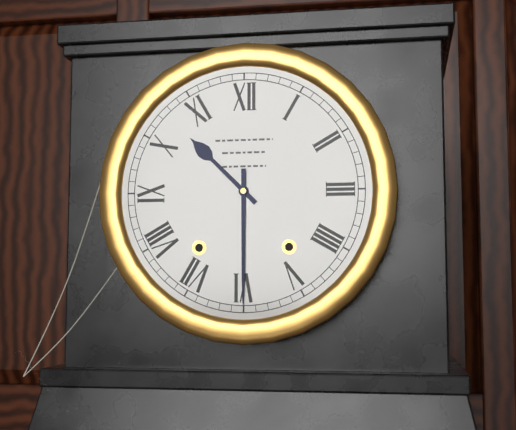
{"hour": 10, "minute": 30}
